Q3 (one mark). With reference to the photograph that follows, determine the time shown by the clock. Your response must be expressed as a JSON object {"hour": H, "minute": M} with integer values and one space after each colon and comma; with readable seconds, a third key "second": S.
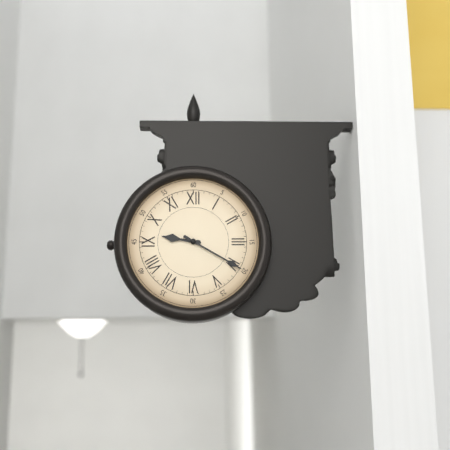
{"hour": 9, "minute": 20}
